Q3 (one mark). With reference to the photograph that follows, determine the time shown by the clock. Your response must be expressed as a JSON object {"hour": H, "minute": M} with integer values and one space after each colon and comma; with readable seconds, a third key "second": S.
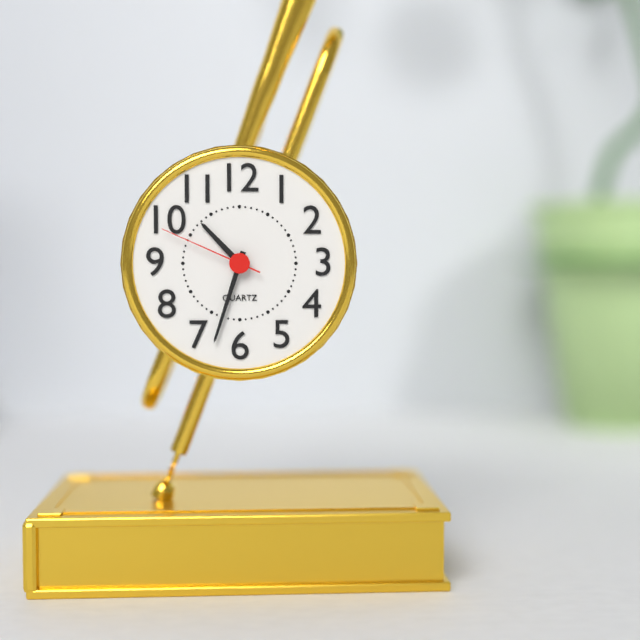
{"hour": 10, "minute": 33, "second": 49}
